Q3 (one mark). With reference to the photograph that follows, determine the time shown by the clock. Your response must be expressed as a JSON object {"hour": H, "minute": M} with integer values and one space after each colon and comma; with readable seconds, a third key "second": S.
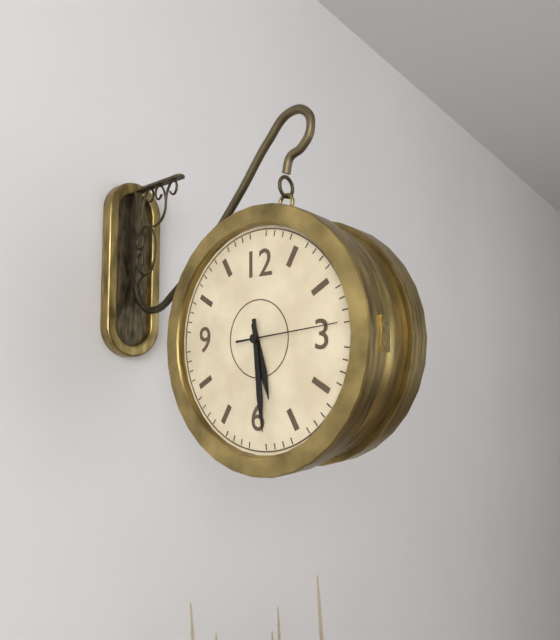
{"hour": 5, "minute": 29, "second": 14}
